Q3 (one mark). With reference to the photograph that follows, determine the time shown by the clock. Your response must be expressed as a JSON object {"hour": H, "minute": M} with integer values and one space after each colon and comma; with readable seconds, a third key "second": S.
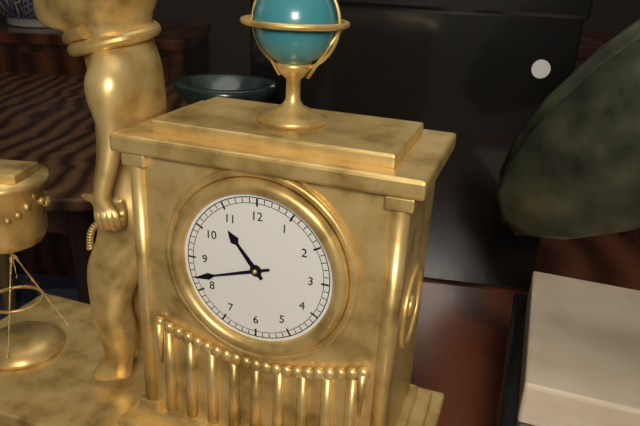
{"hour": 10, "minute": 42}
